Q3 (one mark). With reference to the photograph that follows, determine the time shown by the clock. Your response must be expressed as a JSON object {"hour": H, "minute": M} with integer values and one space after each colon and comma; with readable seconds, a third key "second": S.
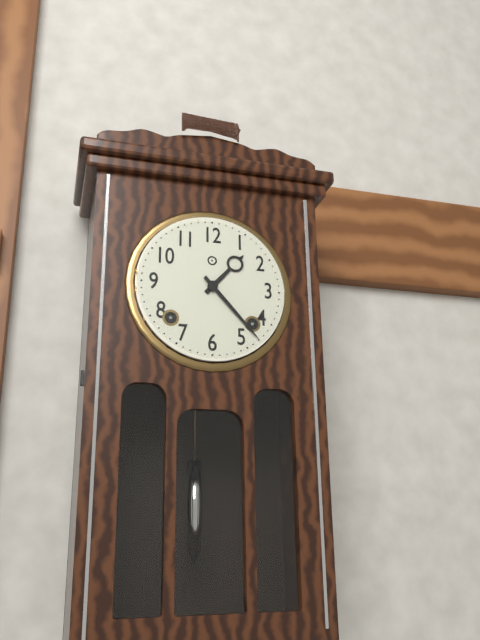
{"hour": 1, "minute": 23}
